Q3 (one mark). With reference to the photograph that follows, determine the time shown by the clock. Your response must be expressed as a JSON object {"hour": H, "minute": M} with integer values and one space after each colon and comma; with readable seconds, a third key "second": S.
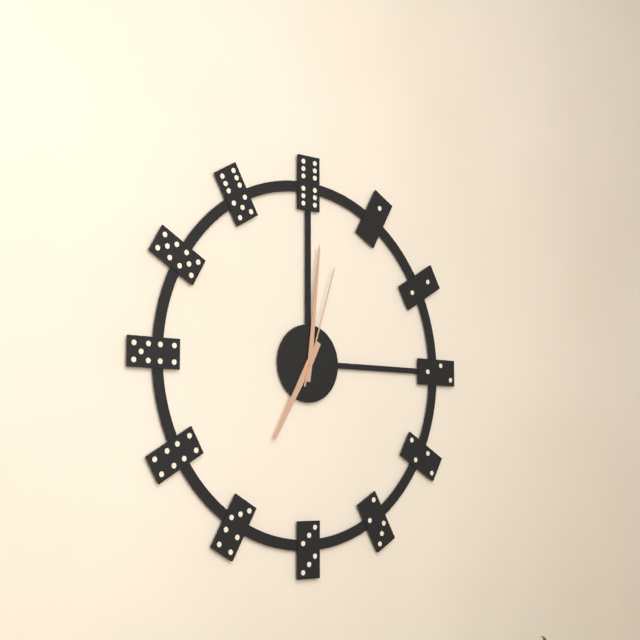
{"hour": 7, "minute": 1, "second": 3}
